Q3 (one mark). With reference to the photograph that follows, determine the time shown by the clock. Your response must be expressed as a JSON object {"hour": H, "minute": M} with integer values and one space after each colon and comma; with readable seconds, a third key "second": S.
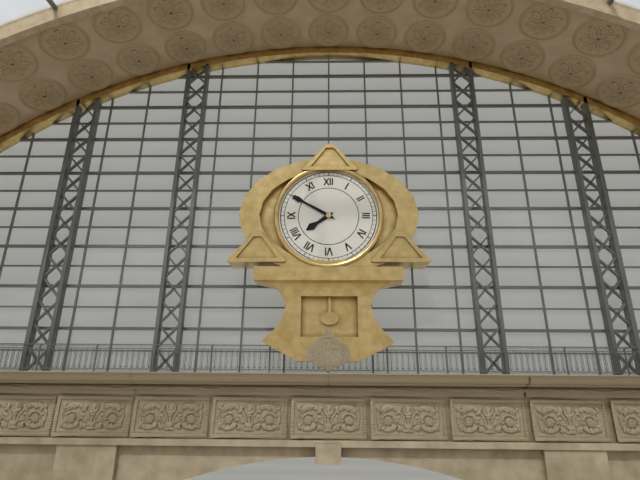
{"hour": 7, "minute": 50}
